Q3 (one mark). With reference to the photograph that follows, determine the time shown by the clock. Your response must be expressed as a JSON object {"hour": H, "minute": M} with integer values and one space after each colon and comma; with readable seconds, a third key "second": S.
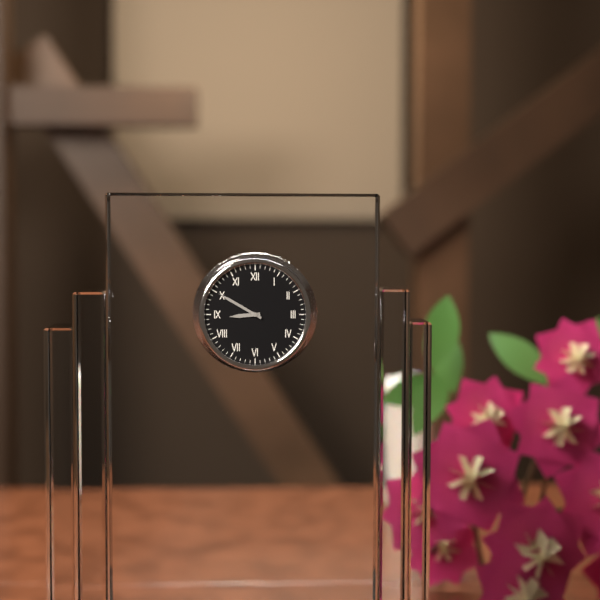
{"hour": 8, "minute": 50}
